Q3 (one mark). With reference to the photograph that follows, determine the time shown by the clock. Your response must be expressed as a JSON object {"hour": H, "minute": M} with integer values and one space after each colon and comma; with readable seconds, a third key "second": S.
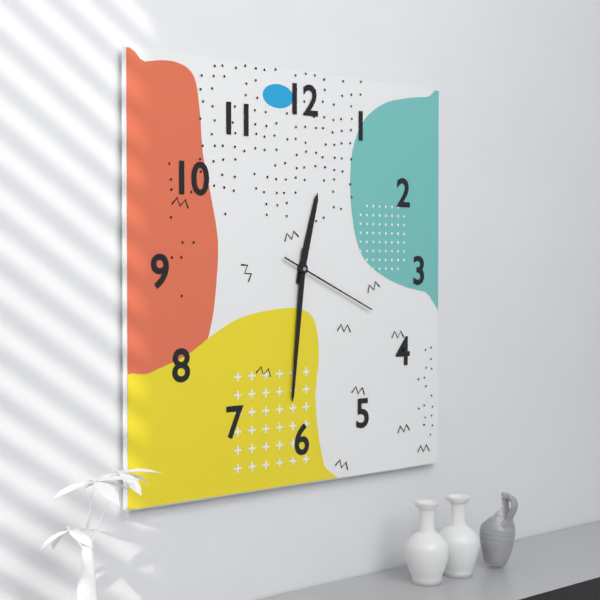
{"hour": 12, "minute": 31, "second": 19}
